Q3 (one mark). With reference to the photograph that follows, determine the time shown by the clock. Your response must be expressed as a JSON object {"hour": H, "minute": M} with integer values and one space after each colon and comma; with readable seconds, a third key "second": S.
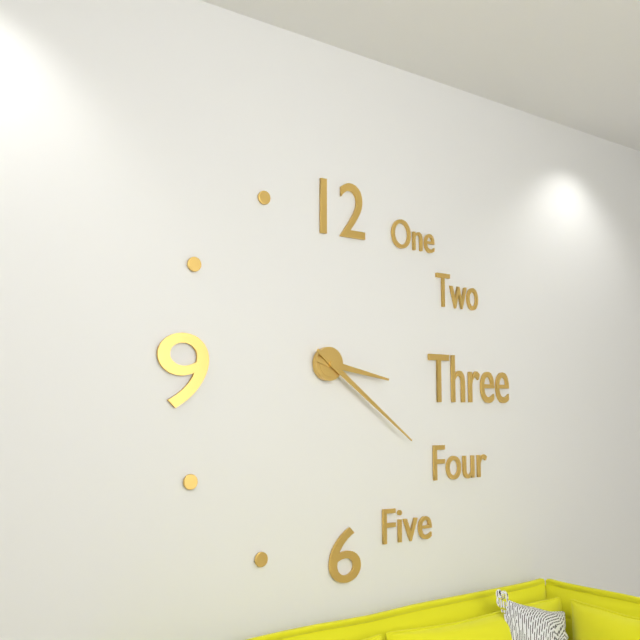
{"hour": 3, "minute": 21}
